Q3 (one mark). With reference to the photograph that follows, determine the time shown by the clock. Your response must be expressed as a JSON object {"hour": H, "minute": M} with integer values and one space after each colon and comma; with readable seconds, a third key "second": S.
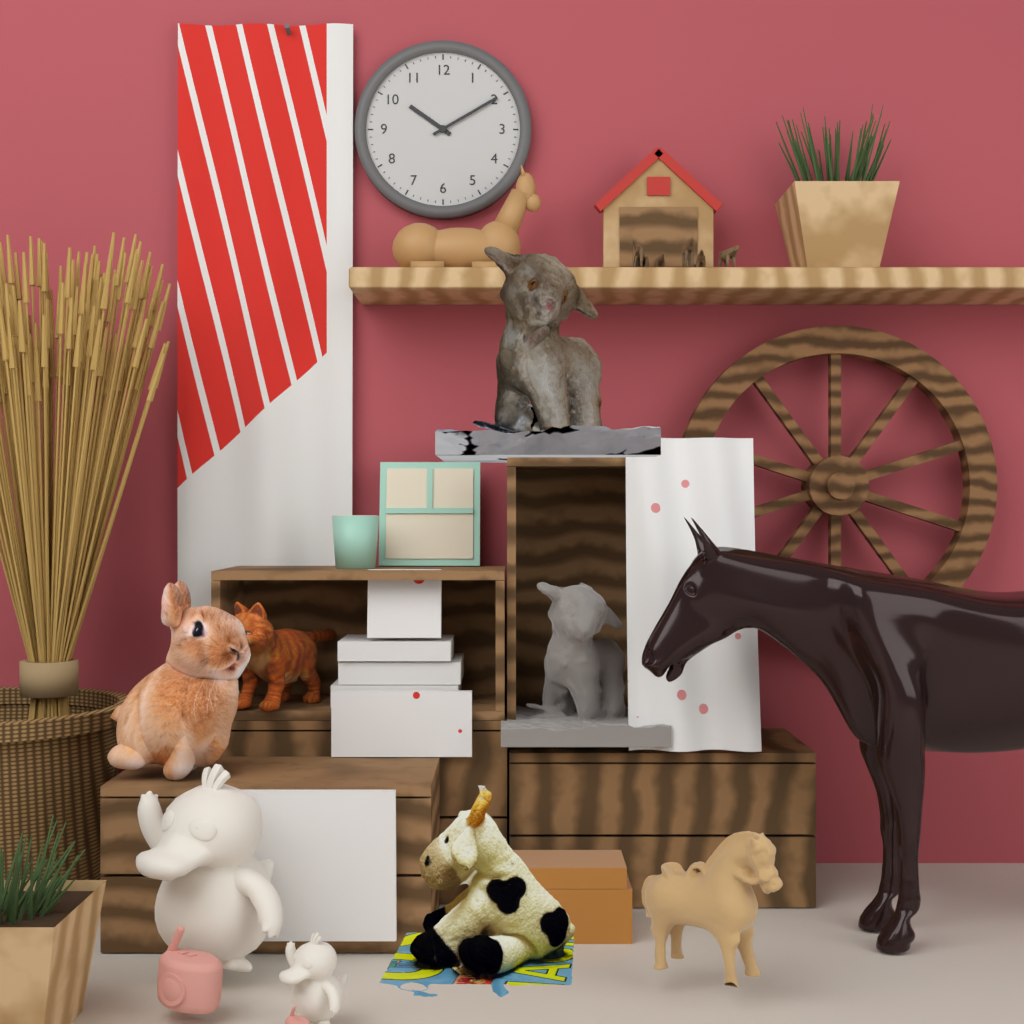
{"hour": 10, "minute": 10}
